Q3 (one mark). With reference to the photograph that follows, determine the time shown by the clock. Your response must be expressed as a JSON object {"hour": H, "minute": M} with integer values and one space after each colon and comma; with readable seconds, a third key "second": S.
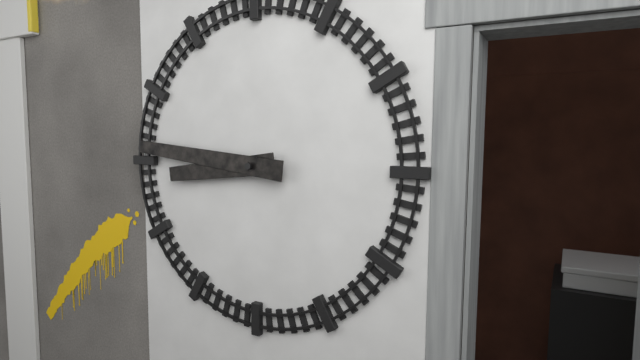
{"hour": 8, "minute": 46}
